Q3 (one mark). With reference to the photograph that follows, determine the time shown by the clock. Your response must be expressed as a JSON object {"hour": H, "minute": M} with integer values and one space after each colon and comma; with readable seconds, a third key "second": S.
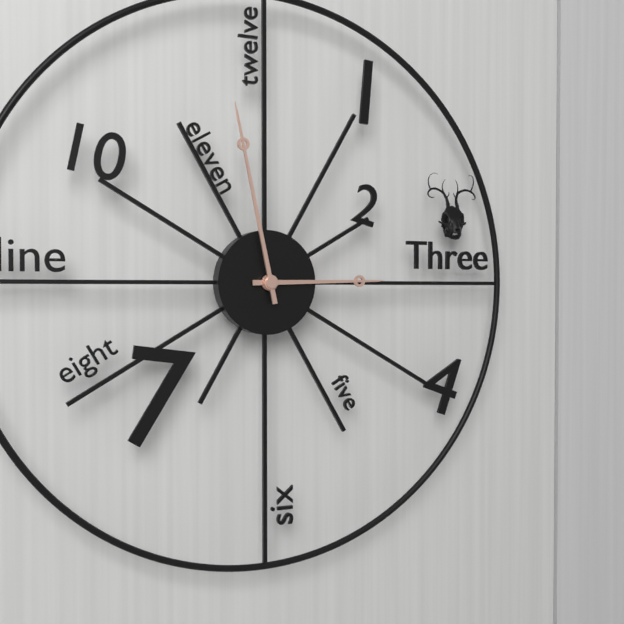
{"hour": 2, "minute": 58}
